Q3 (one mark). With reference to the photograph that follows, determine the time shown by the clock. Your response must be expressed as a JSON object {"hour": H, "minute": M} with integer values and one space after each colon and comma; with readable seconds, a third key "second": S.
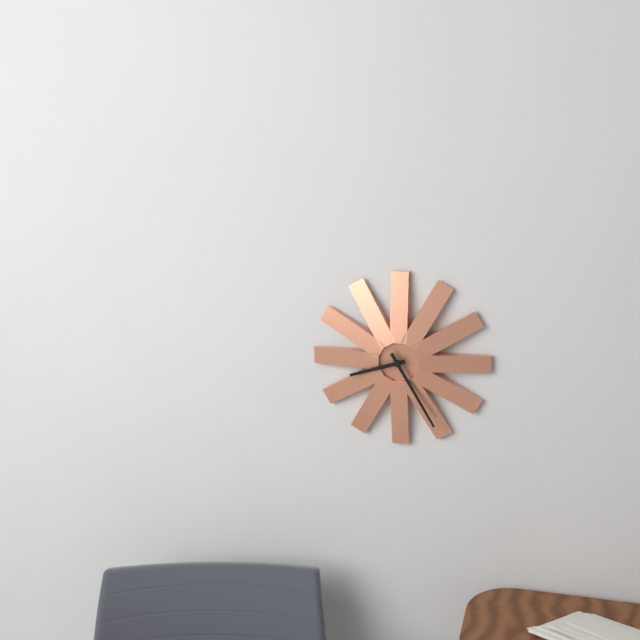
{"hour": 8, "minute": 25}
